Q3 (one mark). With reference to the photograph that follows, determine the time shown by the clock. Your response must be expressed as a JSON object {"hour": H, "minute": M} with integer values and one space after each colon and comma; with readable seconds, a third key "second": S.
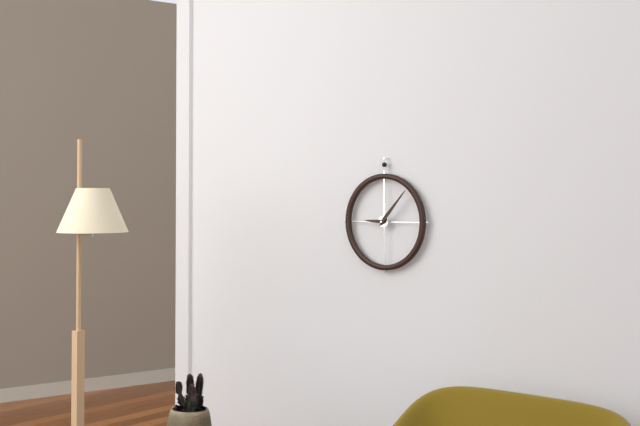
{"hour": 9, "minute": 7}
